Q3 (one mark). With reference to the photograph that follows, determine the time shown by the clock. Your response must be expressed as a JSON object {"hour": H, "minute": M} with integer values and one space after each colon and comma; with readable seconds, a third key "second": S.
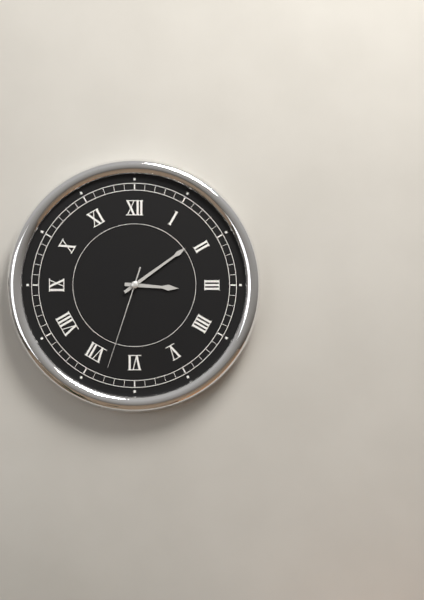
{"hour": 3, "minute": 9, "second": 33}
